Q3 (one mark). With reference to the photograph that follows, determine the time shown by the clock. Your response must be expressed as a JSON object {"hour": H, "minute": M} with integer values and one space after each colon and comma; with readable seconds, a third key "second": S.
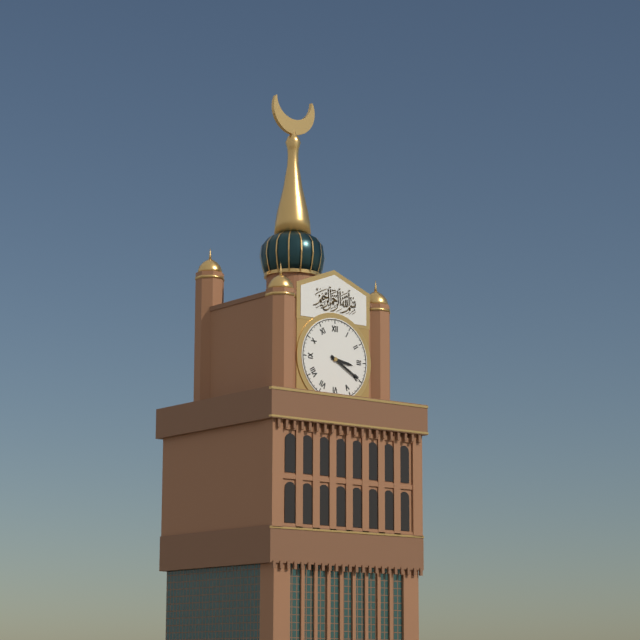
{"hour": 3, "minute": 20}
